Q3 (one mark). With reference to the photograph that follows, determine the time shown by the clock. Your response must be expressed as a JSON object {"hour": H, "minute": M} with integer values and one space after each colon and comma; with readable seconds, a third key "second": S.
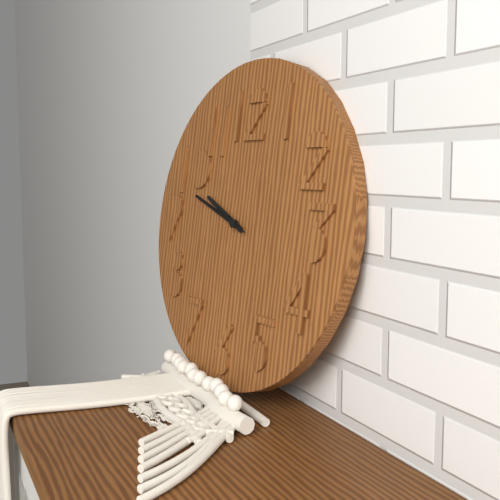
{"hour": 9, "minute": 48, "second": 48}
